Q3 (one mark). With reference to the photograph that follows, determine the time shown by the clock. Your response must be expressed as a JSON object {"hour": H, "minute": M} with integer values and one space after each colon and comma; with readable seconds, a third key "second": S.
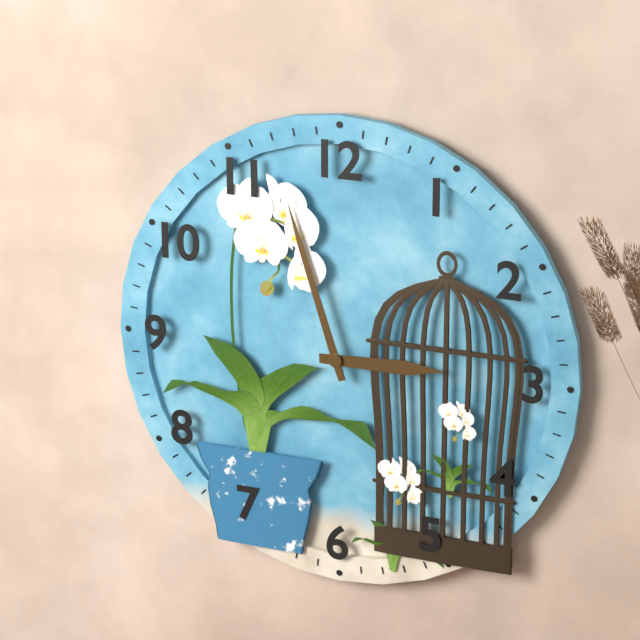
{"hour": 2, "minute": 57}
